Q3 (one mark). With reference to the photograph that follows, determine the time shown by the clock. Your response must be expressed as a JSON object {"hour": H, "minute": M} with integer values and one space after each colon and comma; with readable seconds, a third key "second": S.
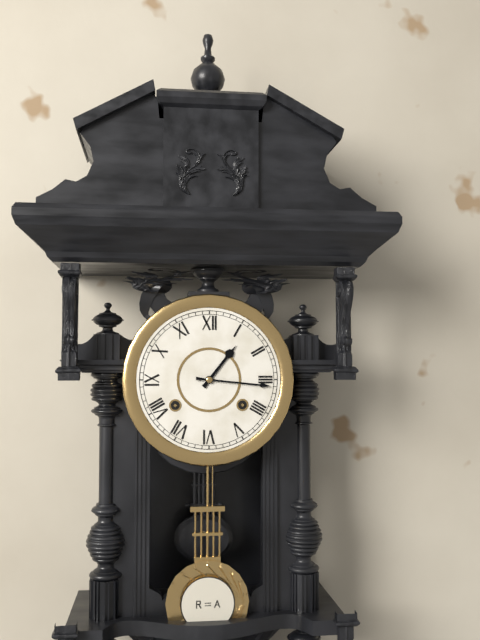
{"hour": 1, "minute": 16}
